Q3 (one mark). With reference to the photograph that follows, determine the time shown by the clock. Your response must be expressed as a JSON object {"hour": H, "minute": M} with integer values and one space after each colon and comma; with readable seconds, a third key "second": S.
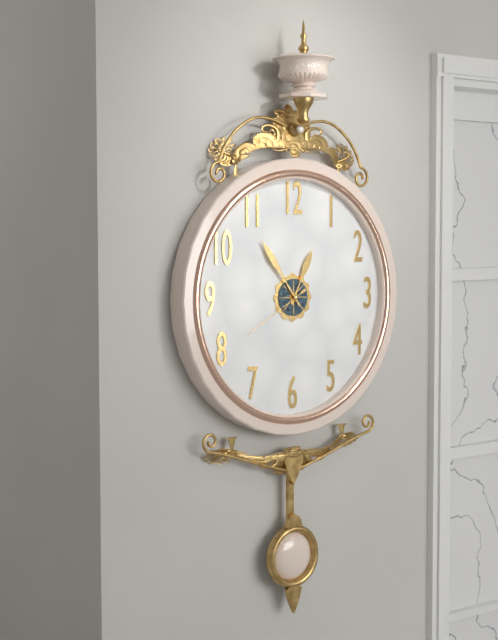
{"hour": 12, "minute": 54, "second": 40}
